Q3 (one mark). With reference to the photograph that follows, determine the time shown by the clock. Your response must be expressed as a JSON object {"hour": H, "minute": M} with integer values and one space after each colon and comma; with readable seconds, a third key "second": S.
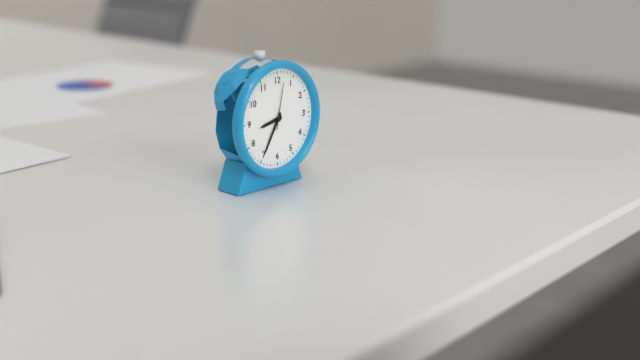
{"hour": 8, "minute": 35}
